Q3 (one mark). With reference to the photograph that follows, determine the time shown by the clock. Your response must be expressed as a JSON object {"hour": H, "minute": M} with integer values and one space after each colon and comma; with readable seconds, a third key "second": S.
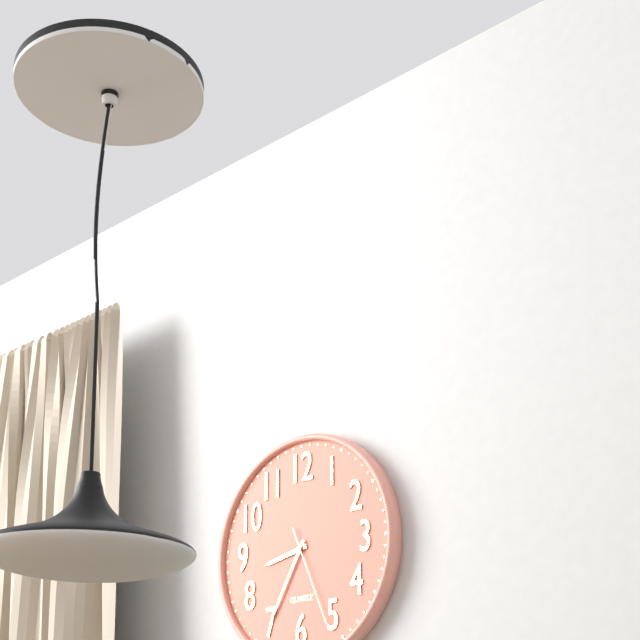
{"hour": 8, "minute": 35, "second": 26}
